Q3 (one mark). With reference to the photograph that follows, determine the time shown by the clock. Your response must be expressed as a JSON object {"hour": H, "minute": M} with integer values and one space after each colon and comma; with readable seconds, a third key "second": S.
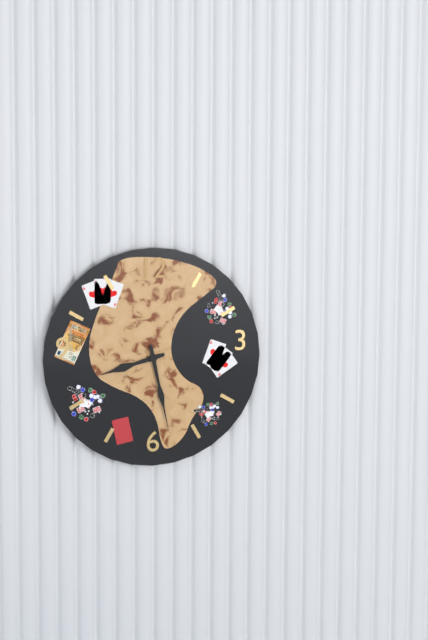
{"hour": 8, "minute": 28}
